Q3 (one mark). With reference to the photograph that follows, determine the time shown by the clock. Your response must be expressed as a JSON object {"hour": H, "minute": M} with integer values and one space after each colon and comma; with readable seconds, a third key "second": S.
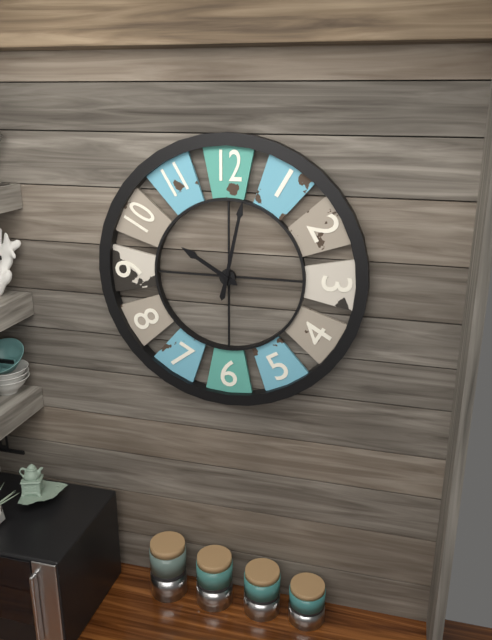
{"hour": 10, "minute": 2}
